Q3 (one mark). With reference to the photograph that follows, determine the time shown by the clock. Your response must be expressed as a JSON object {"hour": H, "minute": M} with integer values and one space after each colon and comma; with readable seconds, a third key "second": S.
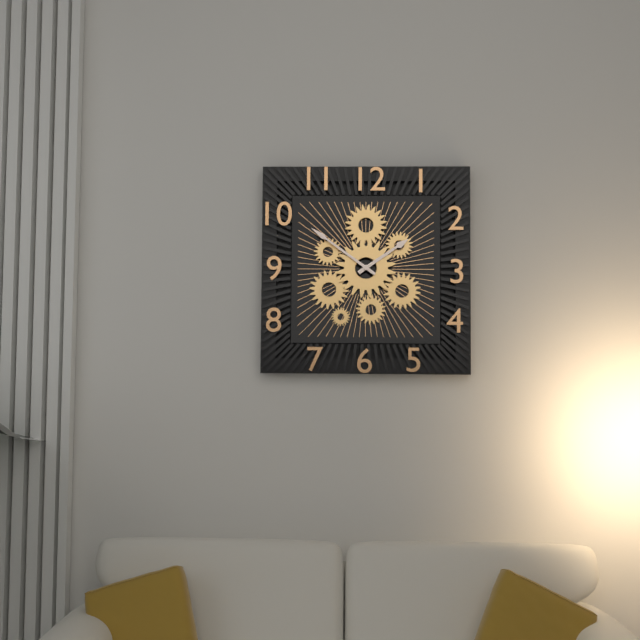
{"hour": 1, "minute": 51}
